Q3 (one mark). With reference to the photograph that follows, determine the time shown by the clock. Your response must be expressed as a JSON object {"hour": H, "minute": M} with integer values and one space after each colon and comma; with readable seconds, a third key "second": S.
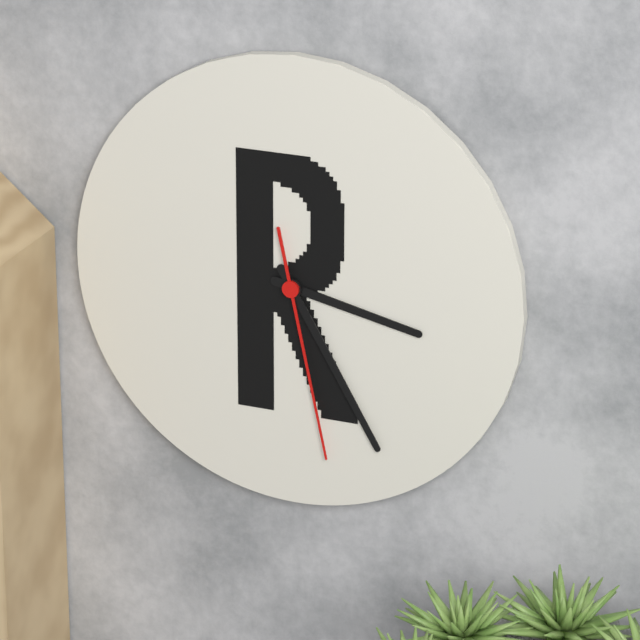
{"hour": 3, "minute": 25, "second": 28}
